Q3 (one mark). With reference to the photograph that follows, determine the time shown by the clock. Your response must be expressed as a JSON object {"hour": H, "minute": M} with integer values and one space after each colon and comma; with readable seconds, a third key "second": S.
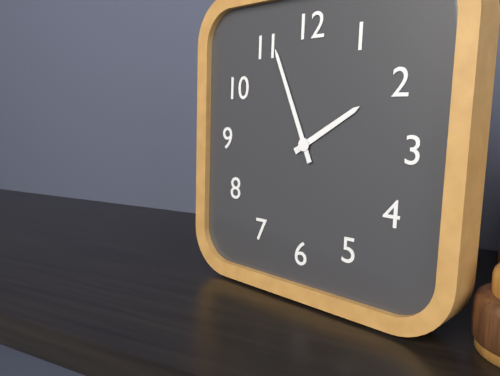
{"hour": 1, "minute": 56}
